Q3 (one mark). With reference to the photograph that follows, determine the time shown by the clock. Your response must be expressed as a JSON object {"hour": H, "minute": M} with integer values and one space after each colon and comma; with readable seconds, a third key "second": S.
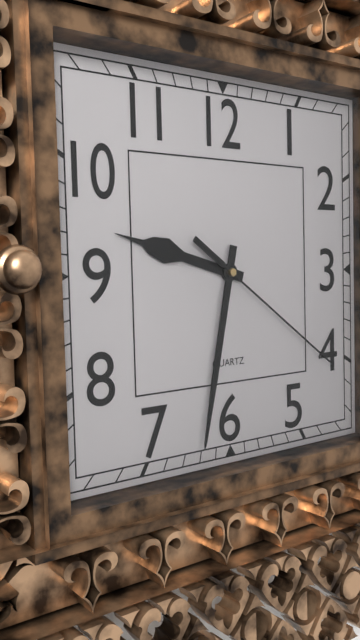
{"hour": 9, "minute": 32, "second": 21}
